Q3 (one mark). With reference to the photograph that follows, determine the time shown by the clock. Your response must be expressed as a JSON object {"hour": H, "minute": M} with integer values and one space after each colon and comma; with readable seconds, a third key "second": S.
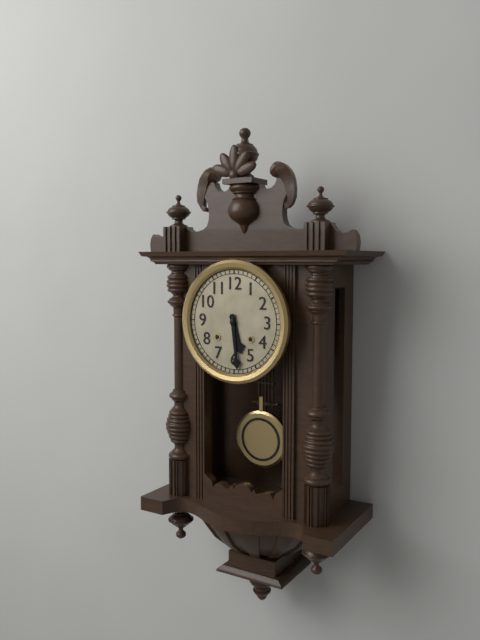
{"hour": 5, "minute": 29}
